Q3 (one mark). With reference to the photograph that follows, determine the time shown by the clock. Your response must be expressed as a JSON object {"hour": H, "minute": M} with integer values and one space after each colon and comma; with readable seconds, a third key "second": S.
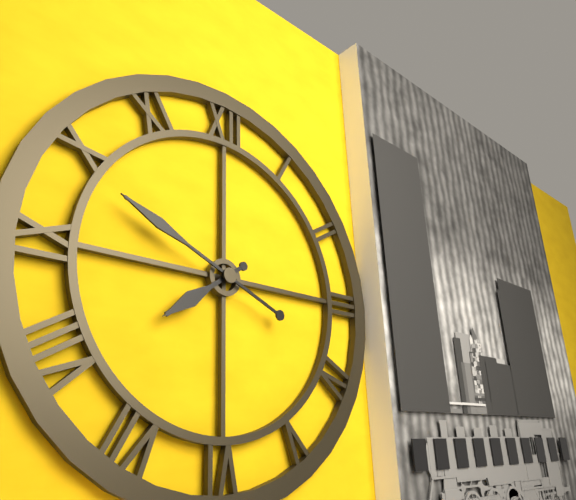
{"hour": 7, "minute": 49}
